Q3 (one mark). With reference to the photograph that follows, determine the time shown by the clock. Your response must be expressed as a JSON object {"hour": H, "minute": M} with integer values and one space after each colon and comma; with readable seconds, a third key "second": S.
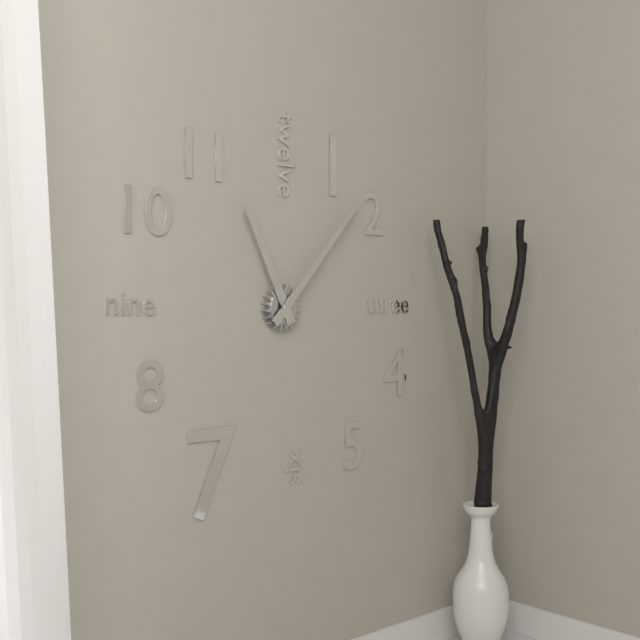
{"hour": 11, "minute": 7}
